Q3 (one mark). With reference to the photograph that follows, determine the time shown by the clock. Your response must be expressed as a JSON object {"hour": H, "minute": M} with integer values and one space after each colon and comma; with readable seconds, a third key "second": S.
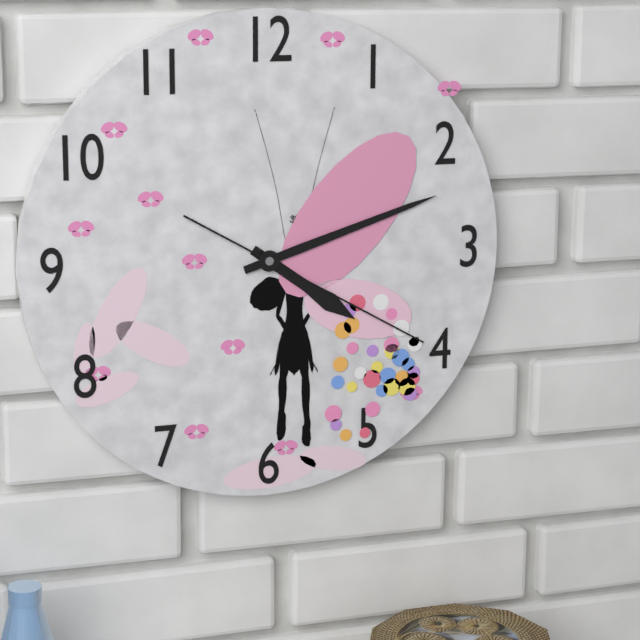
{"hour": 4, "minute": 12, "second": 20}
